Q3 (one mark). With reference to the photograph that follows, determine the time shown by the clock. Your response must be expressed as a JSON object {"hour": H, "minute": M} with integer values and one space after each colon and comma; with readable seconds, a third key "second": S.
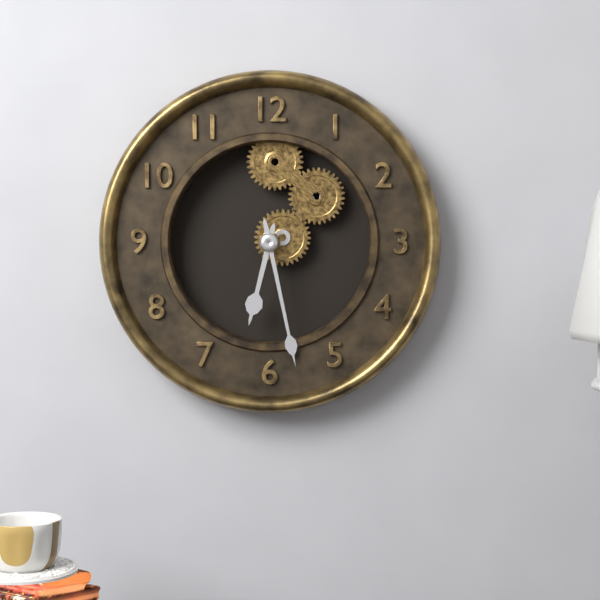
{"hour": 6, "minute": 28}
